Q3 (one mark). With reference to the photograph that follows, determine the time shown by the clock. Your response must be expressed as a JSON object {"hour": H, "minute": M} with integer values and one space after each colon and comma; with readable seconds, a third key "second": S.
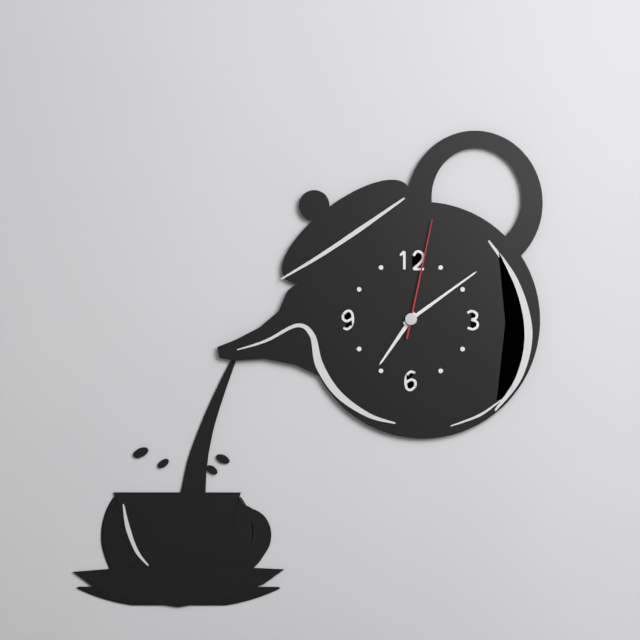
{"hour": 7, "minute": 9, "second": 2}
